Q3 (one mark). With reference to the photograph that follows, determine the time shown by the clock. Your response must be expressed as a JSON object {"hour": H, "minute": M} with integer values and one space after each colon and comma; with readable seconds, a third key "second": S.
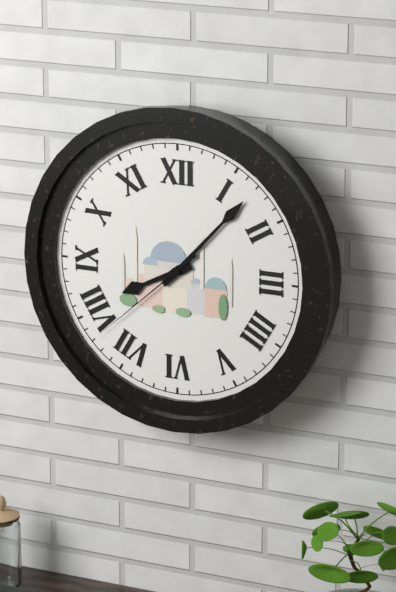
{"hour": 8, "minute": 7, "second": 38}
